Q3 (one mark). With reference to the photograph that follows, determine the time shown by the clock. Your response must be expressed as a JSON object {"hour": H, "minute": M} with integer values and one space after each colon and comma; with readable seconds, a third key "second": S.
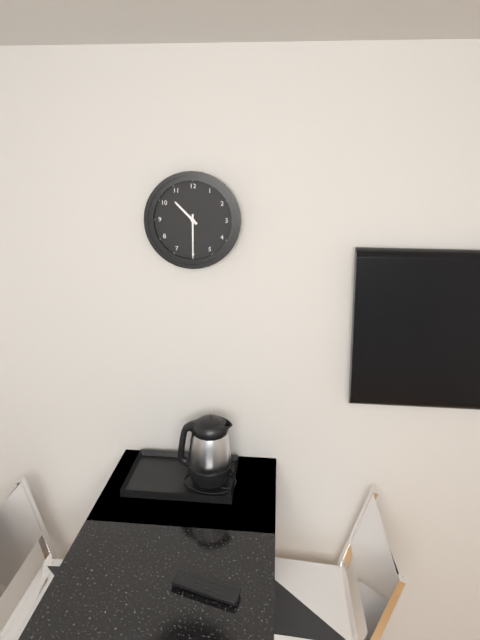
{"hour": 10, "minute": 30}
